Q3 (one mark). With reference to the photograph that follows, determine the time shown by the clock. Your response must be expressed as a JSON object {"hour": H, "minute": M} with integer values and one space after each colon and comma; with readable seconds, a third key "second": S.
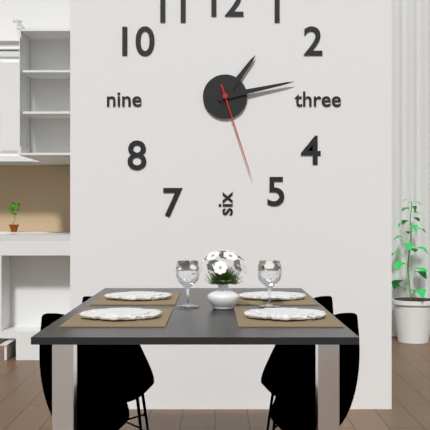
{"hour": 1, "minute": 13, "second": 27}
